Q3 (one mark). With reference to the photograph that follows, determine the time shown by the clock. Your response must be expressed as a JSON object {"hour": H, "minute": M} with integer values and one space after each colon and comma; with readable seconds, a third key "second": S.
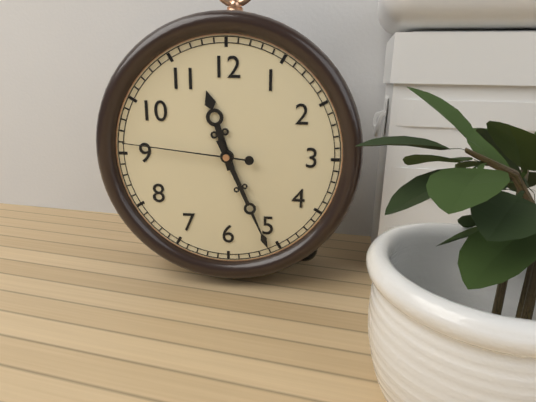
{"hour": 11, "minute": 26, "second": 46}
